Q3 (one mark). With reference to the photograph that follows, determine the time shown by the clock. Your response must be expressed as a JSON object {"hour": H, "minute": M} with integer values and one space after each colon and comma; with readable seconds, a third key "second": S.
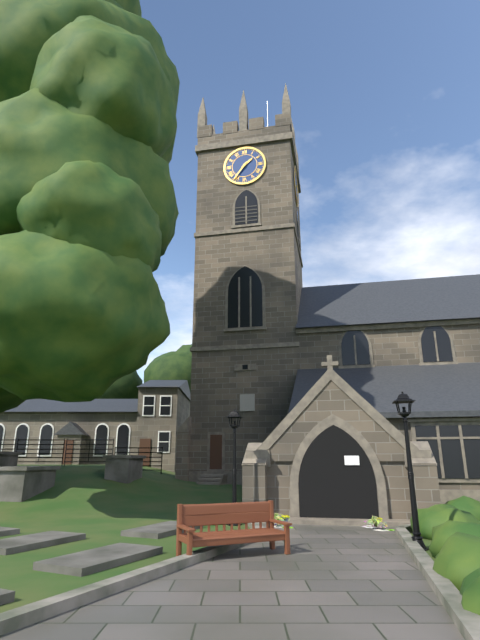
{"hour": 1, "minute": 36}
